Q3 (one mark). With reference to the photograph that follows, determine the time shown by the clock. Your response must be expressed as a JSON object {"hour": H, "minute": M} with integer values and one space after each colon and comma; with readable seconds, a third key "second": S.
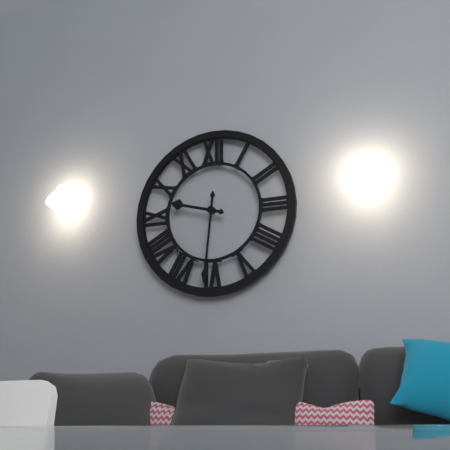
{"hour": 9, "minute": 31}
